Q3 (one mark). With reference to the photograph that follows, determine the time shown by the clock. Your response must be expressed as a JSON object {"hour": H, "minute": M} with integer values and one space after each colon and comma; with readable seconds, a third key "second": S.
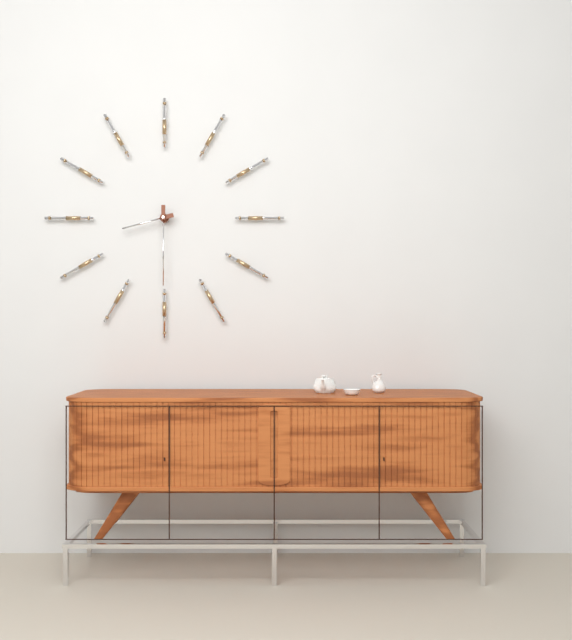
{"hour": 8, "minute": 30}
